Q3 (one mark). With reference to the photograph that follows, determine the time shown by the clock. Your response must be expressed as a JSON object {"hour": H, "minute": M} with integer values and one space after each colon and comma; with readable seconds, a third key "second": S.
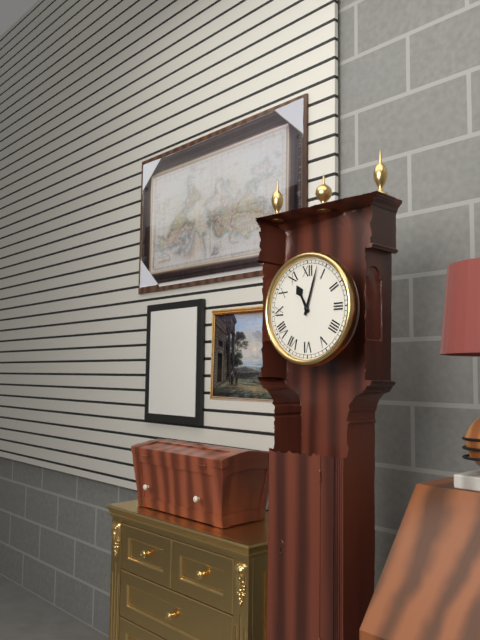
{"hour": 11, "minute": 3}
